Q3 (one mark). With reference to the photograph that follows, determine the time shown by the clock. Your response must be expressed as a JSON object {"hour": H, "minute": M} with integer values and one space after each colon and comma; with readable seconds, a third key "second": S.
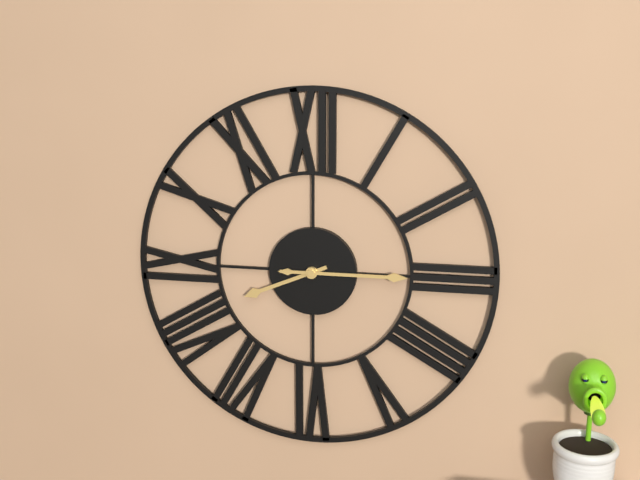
{"hour": 8, "minute": 15}
